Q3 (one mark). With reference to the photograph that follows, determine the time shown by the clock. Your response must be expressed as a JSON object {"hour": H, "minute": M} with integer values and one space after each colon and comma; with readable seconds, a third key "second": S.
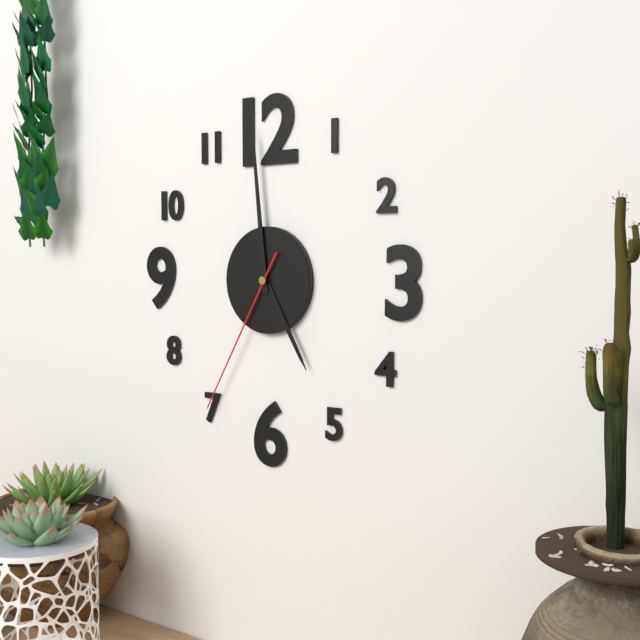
{"hour": 4, "minute": 59, "second": 35}
